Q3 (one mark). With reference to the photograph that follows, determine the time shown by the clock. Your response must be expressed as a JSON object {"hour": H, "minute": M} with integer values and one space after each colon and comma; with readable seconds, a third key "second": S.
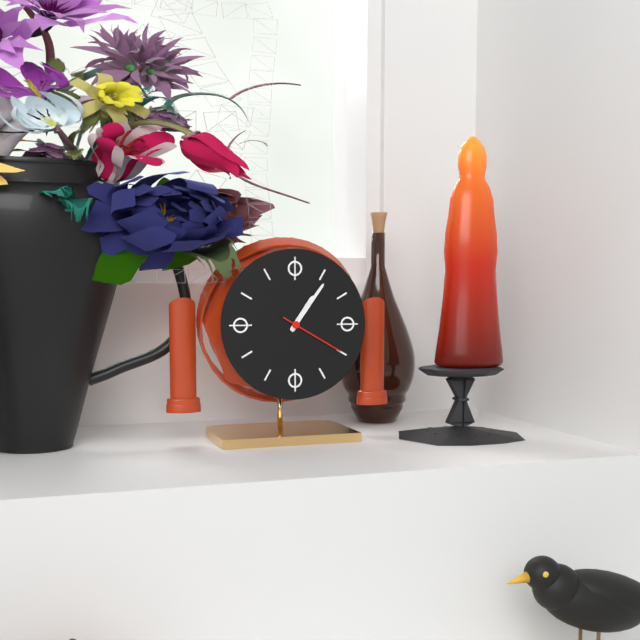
{"hour": 1, "minute": 6, "second": 20}
